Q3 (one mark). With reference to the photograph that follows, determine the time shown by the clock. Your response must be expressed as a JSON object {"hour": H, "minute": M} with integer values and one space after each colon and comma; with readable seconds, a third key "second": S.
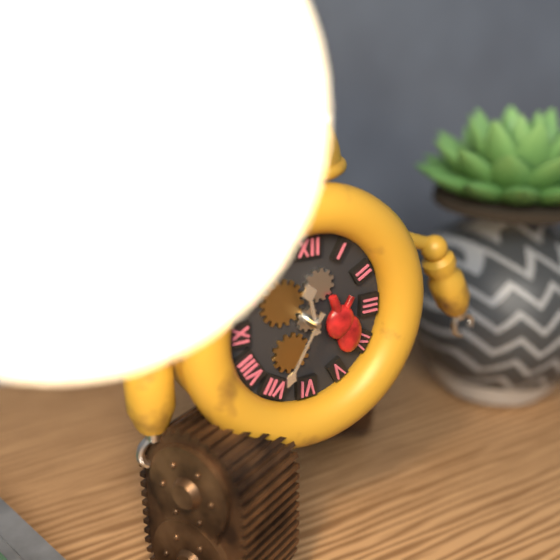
{"hour": 11, "minute": 35}
